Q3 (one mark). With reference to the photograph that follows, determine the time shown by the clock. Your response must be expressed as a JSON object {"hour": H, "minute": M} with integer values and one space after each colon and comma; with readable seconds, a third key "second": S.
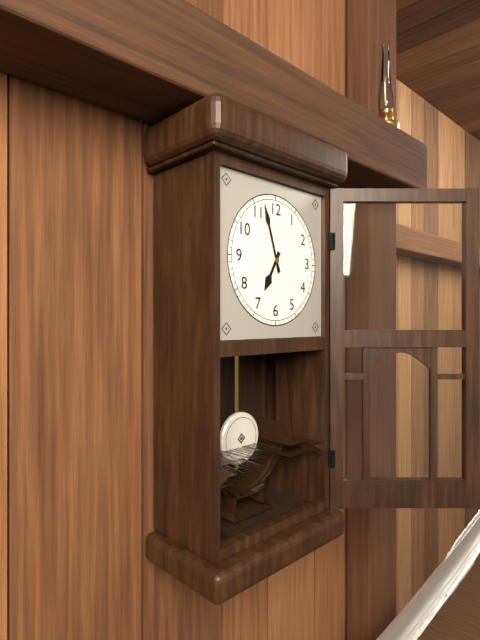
{"hour": 6, "minute": 57}
